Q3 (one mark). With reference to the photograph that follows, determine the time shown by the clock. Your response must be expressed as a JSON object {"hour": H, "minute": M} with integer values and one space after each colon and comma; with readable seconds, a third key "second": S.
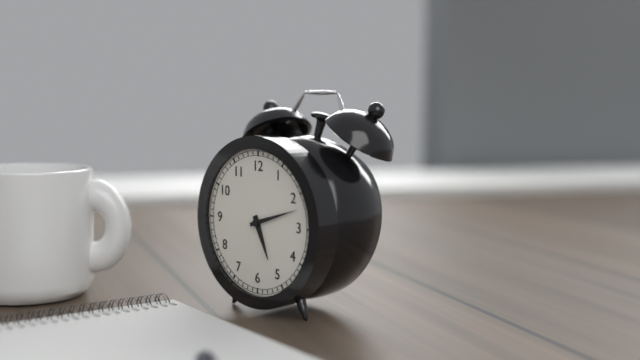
{"hour": 5, "minute": 12}
